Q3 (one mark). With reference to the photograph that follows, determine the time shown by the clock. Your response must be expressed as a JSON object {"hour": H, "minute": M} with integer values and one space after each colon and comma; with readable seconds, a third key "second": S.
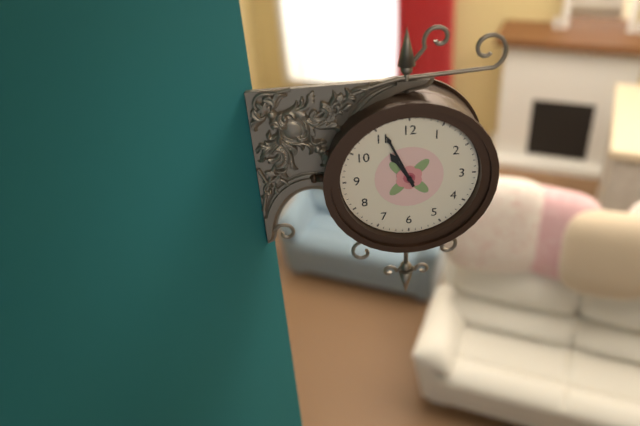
{"hour": 10, "minute": 56}
